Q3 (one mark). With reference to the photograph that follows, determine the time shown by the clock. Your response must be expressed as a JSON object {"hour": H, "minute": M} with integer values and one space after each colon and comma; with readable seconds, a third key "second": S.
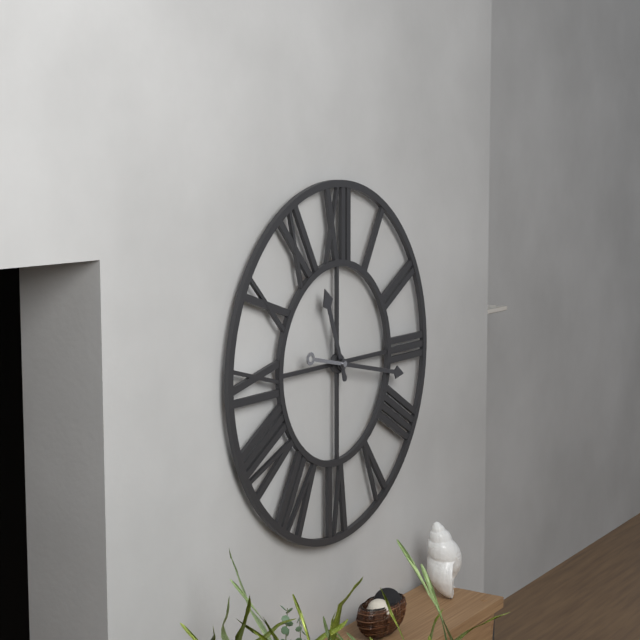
{"hour": 11, "minute": 17}
